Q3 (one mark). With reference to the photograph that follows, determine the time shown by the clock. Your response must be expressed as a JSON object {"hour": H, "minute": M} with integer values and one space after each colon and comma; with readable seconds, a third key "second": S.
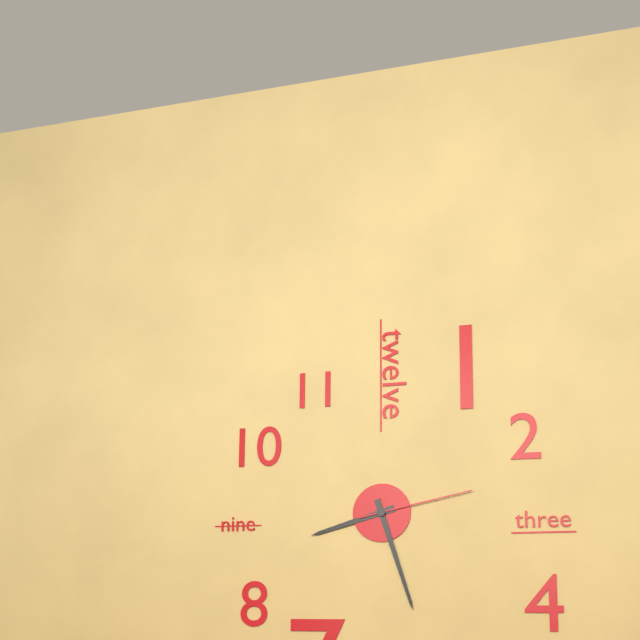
{"hour": 8, "minute": 27, "second": 13}
